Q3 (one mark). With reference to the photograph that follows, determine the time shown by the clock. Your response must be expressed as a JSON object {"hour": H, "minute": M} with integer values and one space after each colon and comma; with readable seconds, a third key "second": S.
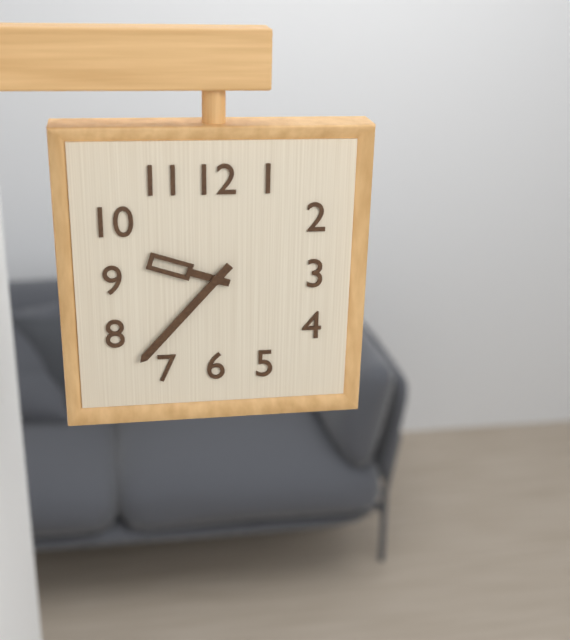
{"hour": 9, "minute": 37}
